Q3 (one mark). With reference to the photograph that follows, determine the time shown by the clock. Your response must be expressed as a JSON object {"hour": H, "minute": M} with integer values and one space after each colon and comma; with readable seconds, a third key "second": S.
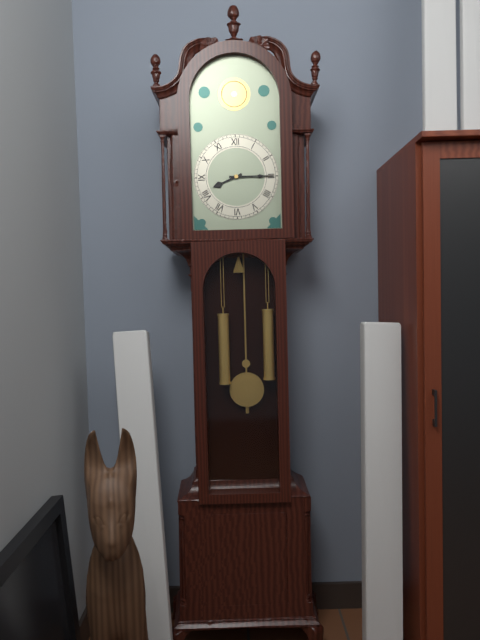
{"hour": 8, "minute": 15}
